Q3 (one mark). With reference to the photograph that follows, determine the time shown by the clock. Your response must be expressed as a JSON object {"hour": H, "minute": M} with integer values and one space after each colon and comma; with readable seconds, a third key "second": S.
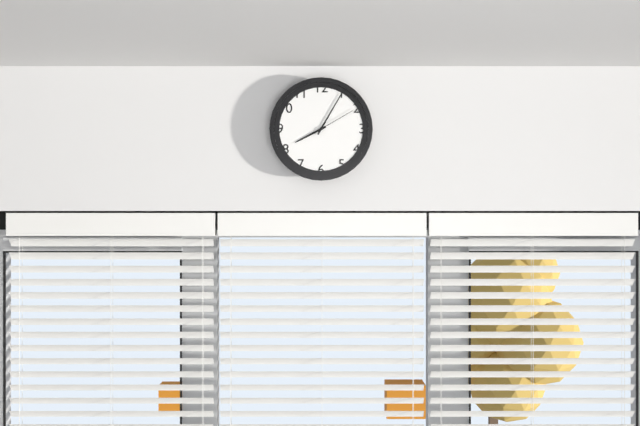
{"hour": 8, "minute": 5, "second": 10}
